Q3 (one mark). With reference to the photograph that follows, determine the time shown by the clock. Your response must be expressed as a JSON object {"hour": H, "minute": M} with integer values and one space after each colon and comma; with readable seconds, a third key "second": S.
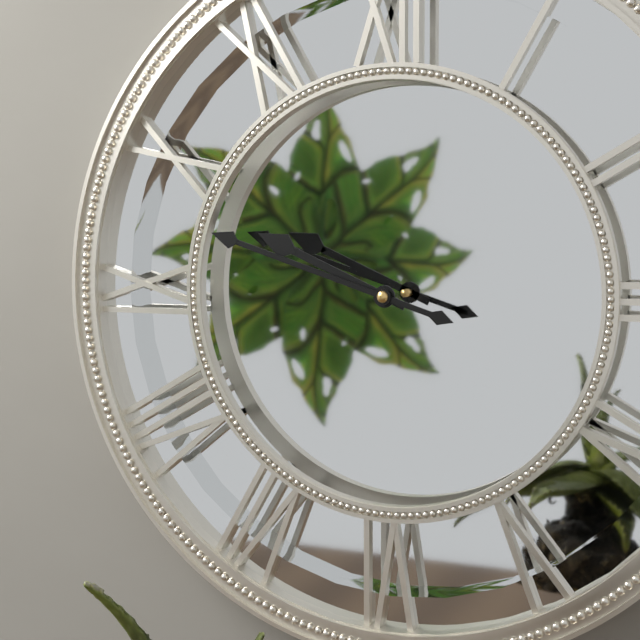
{"hour": 9, "minute": 48}
